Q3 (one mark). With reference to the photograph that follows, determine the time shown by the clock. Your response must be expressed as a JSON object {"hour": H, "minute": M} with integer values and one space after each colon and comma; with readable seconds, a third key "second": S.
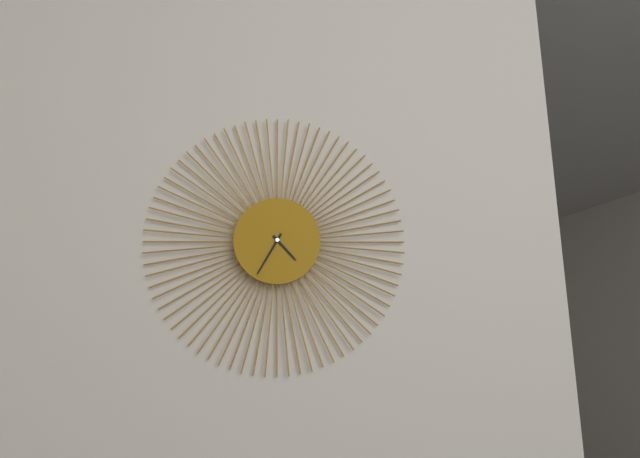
{"hour": 4, "minute": 35}
